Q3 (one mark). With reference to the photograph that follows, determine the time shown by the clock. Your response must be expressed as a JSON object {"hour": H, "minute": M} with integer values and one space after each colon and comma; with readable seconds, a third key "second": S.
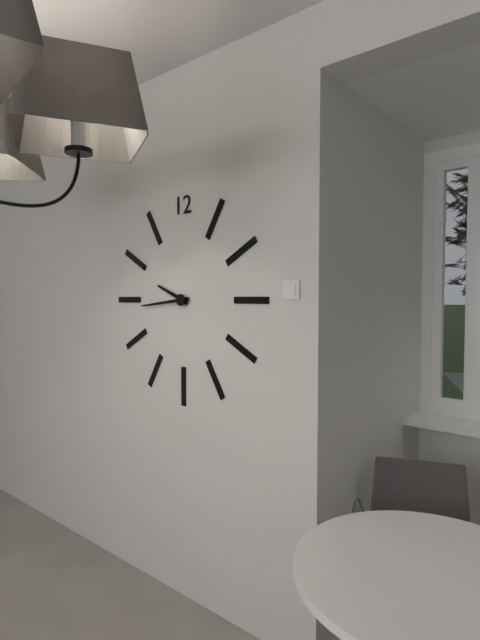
{"hour": 9, "minute": 44}
